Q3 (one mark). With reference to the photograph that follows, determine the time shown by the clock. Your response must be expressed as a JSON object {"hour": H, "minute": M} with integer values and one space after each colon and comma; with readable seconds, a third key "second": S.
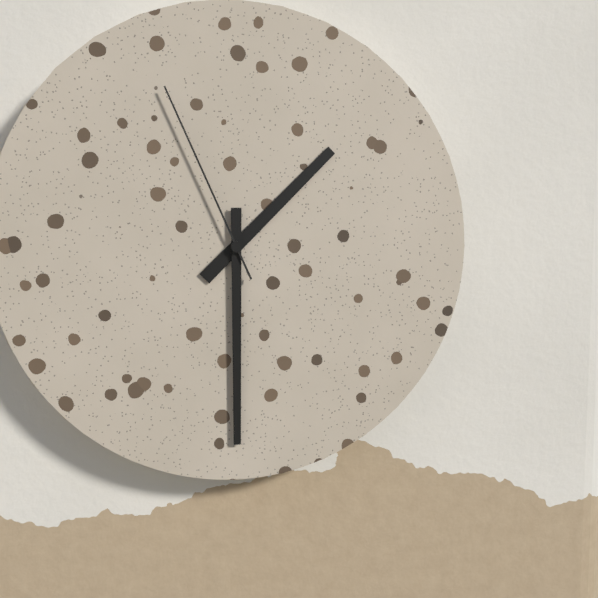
{"hour": 1, "minute": 30, "second": 56}
